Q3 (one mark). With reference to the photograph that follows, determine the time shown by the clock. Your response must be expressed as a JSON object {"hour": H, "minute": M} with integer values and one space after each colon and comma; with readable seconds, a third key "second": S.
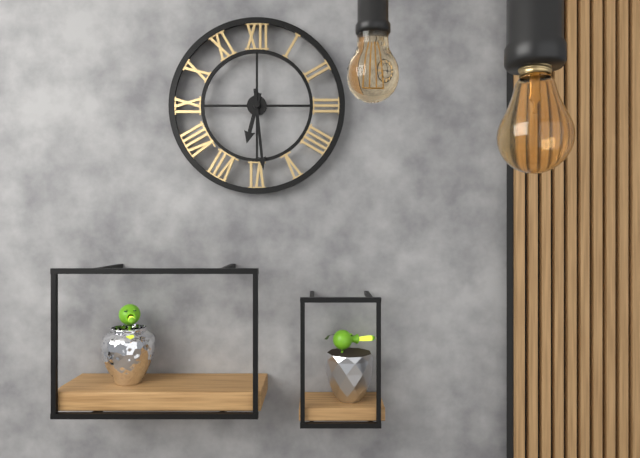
{"hour": 6, "minute": 29}
